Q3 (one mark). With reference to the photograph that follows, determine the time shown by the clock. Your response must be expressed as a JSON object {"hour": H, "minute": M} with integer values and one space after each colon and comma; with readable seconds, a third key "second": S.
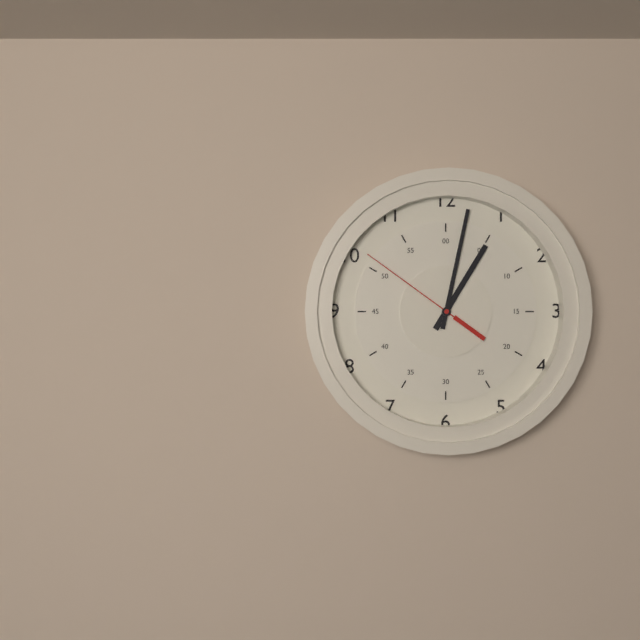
{"hour": 1, "minute": 2, "second": 51}
